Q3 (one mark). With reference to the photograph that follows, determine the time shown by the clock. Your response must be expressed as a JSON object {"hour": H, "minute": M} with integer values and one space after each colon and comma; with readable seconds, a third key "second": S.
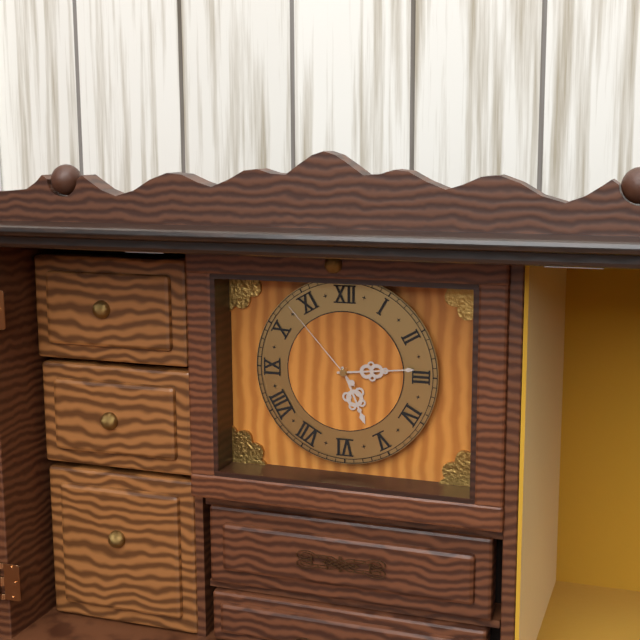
{"hour": 5, "minute": 14, "second": 53}
